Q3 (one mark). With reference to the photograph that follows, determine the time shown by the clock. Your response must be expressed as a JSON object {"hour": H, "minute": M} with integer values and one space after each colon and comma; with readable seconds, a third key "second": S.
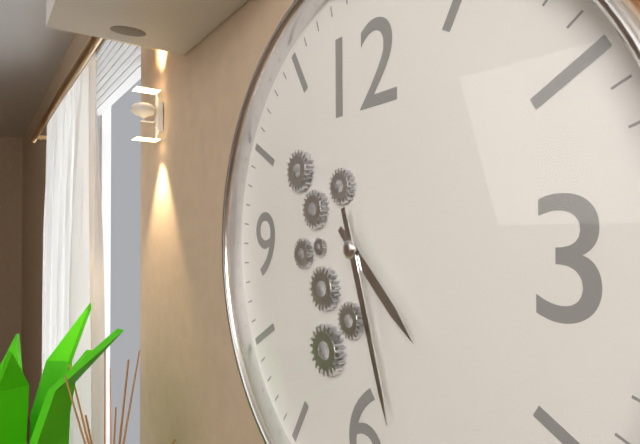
{"hour": 4, "minute": 27}
